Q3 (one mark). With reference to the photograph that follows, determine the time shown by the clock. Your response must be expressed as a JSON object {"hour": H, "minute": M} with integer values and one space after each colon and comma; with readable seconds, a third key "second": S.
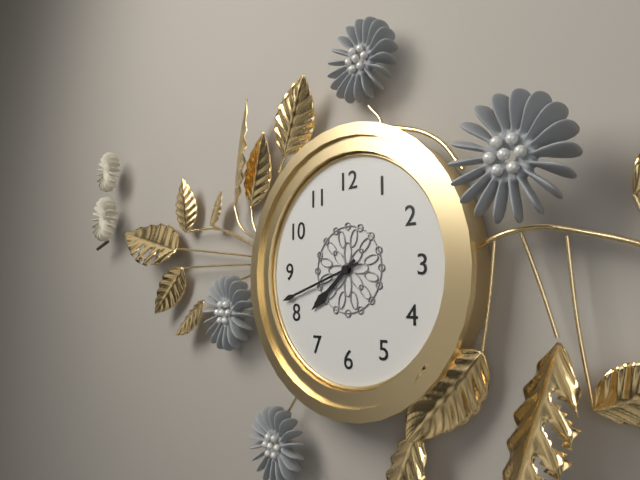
{"hour": 7, "minute": 42}
